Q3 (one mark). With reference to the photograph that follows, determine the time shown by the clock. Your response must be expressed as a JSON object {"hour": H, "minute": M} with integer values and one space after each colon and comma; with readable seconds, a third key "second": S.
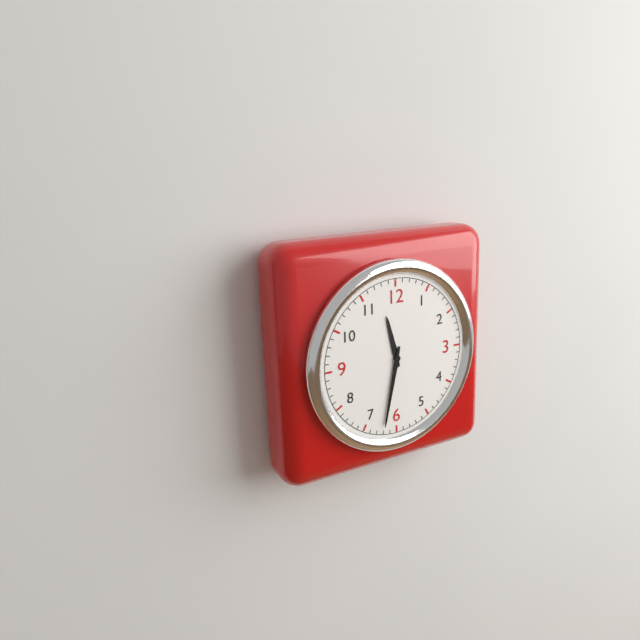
{"hour": 11, "minute": 32}
